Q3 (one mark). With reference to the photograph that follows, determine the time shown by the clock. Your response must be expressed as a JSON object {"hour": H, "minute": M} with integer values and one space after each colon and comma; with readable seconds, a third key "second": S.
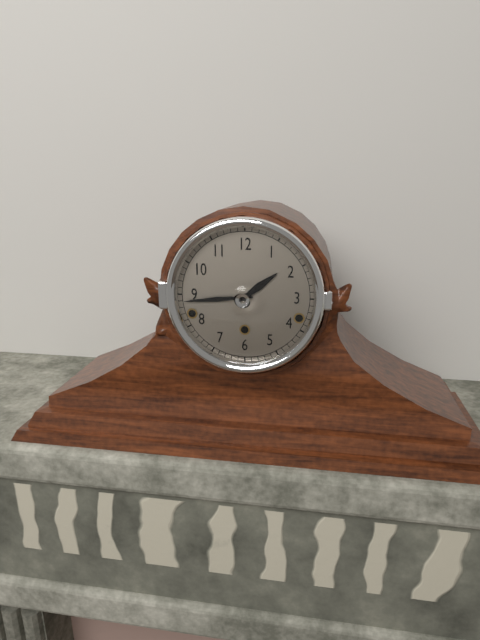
{"hour": 1, "minute": 44}
